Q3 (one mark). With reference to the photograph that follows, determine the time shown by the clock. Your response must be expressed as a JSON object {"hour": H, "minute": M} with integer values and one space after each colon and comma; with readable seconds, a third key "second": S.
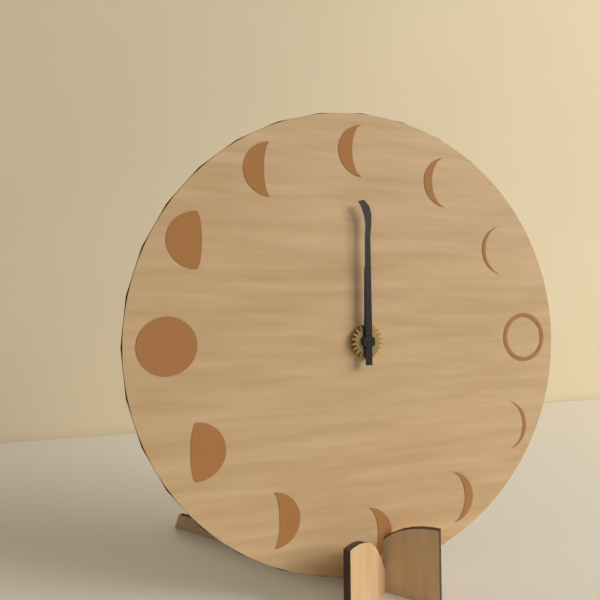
{"hour": 12, "minute": 0}
